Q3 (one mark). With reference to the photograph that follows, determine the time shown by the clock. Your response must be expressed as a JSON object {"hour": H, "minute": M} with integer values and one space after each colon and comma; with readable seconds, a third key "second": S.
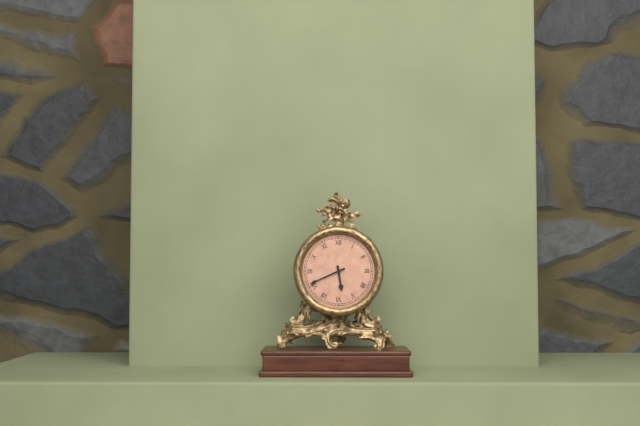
{"hour": 5, "minute": 41}
